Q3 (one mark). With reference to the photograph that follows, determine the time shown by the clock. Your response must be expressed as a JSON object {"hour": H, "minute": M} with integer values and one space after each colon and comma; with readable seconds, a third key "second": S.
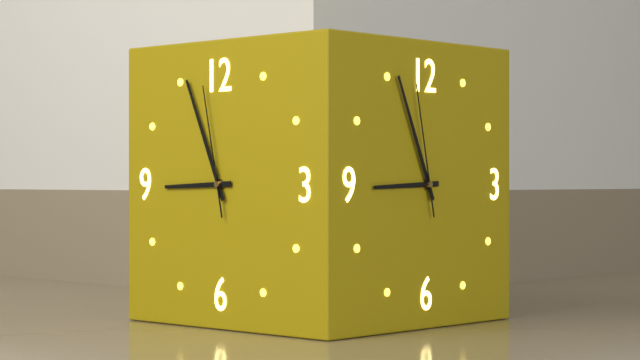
{"hour": 8, "minute": 56, "second": 58}
